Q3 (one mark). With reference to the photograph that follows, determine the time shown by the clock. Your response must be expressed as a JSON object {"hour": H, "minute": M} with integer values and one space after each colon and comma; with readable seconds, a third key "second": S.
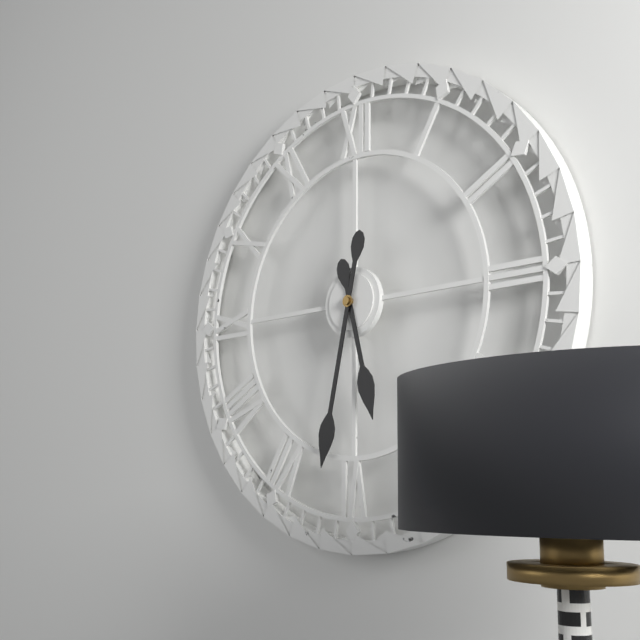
{"hour": 5, "minute": 32}
